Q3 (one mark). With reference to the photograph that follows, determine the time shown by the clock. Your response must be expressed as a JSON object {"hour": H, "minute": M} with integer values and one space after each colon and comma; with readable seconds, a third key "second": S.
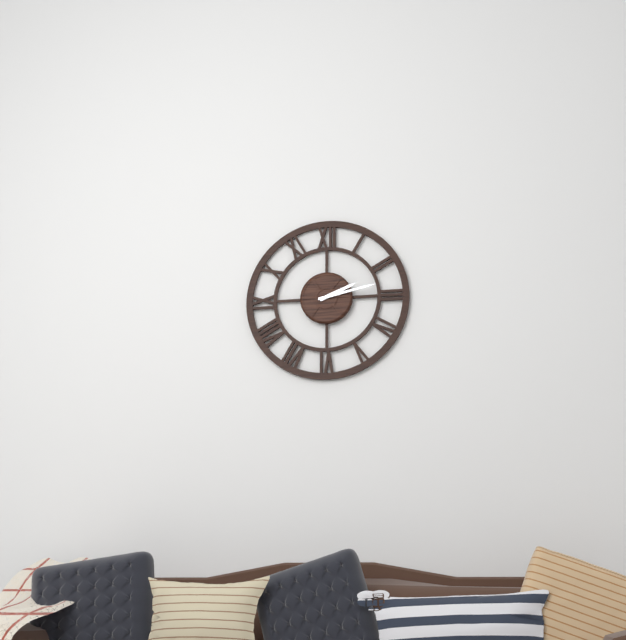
{"hour": 2, "minute": 13}
